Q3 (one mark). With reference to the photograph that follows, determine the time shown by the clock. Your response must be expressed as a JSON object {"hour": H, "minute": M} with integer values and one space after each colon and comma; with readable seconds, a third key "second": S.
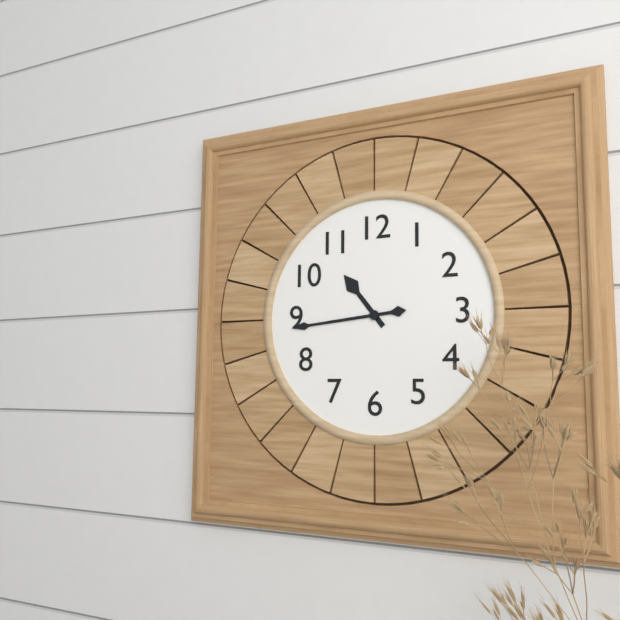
{"hour": 10, "minute": 44}
